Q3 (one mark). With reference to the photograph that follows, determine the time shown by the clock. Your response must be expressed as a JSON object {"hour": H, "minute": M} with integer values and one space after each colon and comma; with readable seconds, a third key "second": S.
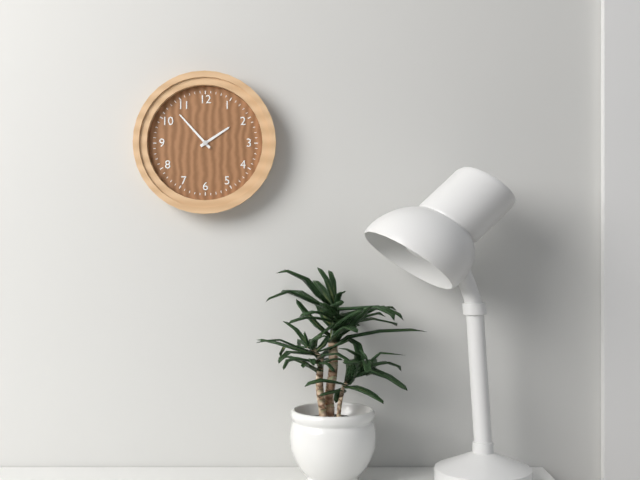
{"hour": 1, "minute": 53}
